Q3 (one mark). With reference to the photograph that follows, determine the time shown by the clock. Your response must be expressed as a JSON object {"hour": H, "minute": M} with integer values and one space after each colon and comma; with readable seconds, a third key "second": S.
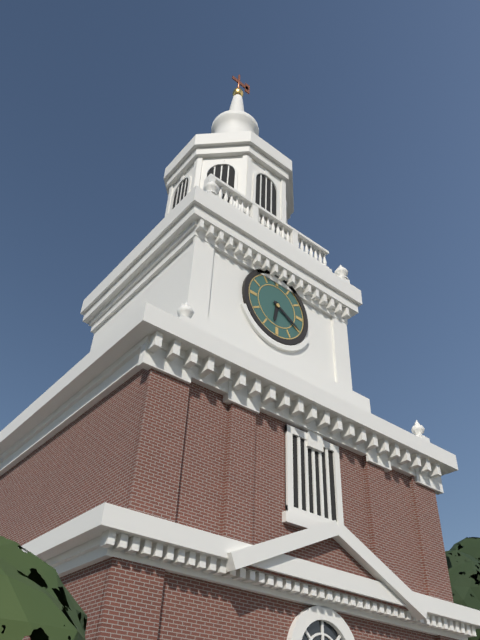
{"hour": 6, "minute": 20}
